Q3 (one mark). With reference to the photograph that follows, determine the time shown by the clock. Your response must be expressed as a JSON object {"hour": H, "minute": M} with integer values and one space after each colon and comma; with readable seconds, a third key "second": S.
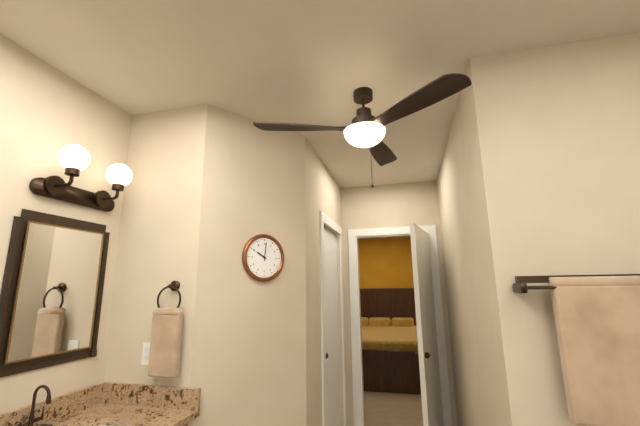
{"hour": 10, "minute": 1}
